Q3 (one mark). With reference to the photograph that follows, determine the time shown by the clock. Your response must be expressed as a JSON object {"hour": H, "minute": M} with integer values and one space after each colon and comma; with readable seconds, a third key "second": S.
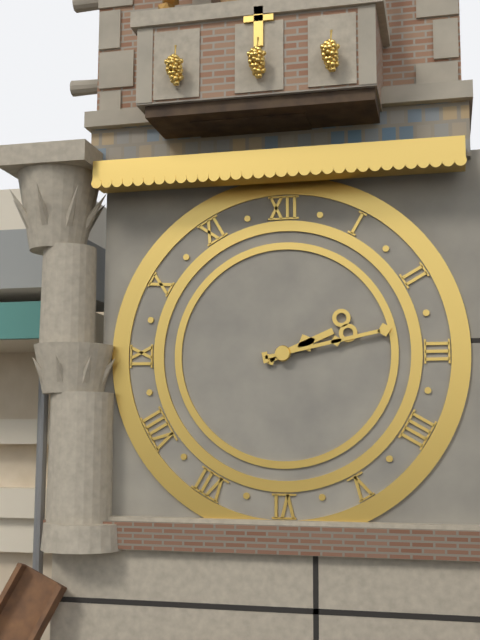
{"hour": 2, "minute": 13}
